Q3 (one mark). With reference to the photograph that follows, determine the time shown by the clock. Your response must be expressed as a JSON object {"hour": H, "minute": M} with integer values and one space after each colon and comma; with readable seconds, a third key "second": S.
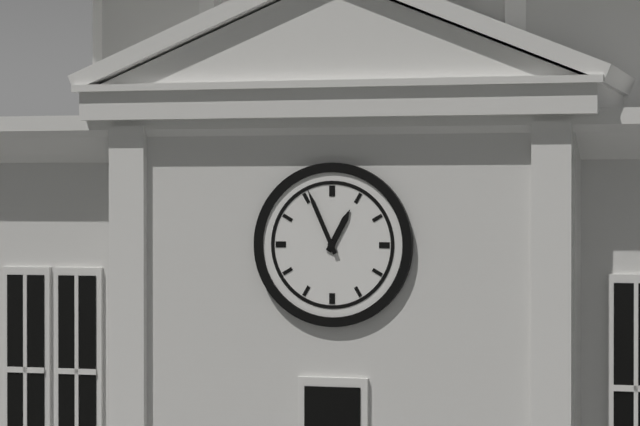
{"hour": 12, "minute": 56}
